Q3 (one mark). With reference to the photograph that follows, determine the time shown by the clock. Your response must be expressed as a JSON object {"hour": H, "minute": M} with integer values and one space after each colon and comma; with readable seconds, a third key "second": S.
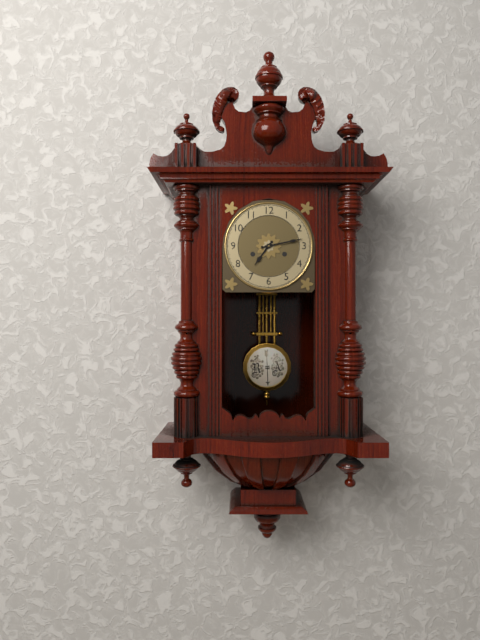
{"hour": 7, "minute": 13}
